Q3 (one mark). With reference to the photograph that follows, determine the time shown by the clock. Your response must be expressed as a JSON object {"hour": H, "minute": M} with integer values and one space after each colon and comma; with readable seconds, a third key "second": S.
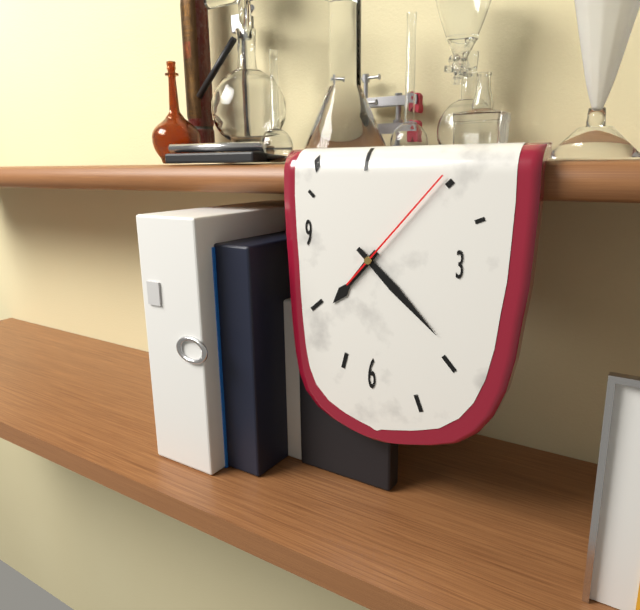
{"hour": 7, "minute": 22, "second": 7}
